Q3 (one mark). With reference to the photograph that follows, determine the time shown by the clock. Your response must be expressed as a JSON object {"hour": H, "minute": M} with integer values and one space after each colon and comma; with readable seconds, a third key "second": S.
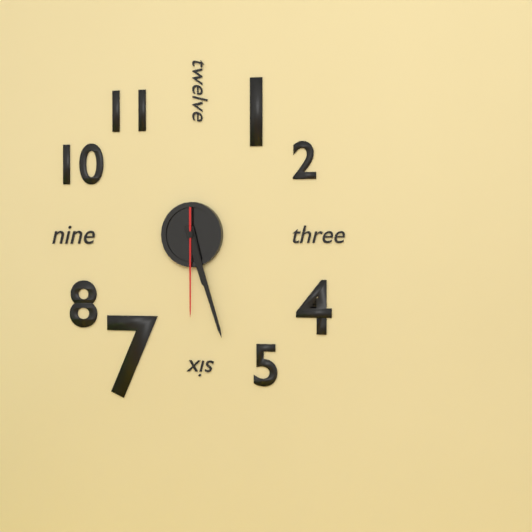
{"hour": 5, "minute": 27, "second": 30}
